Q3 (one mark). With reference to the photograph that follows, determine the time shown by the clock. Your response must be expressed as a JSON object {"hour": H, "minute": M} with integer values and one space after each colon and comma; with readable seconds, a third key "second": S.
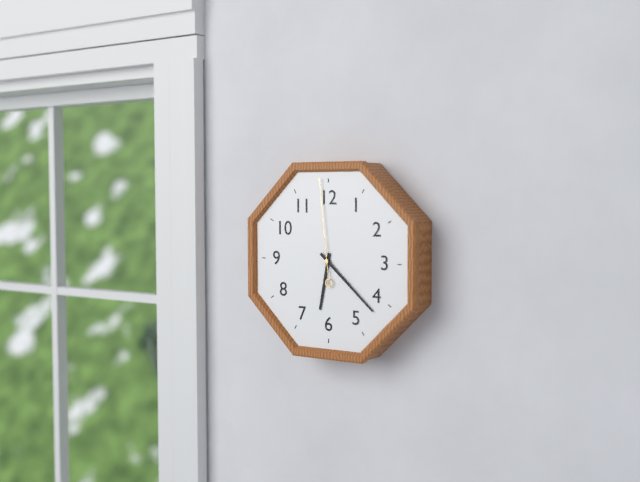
{"hour": 6, "minute": 22, "second": 59}
